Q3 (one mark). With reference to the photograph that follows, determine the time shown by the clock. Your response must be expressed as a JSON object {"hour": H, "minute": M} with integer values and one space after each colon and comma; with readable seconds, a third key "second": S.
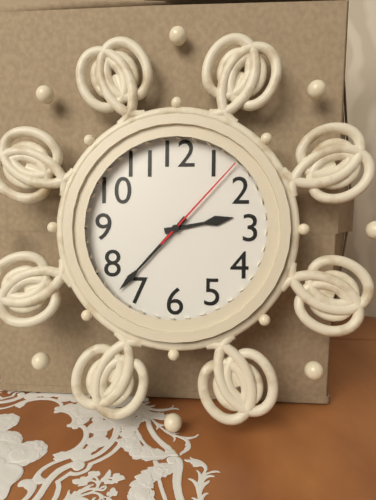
{"hour": 2, "minute": 37, "second": 7}
